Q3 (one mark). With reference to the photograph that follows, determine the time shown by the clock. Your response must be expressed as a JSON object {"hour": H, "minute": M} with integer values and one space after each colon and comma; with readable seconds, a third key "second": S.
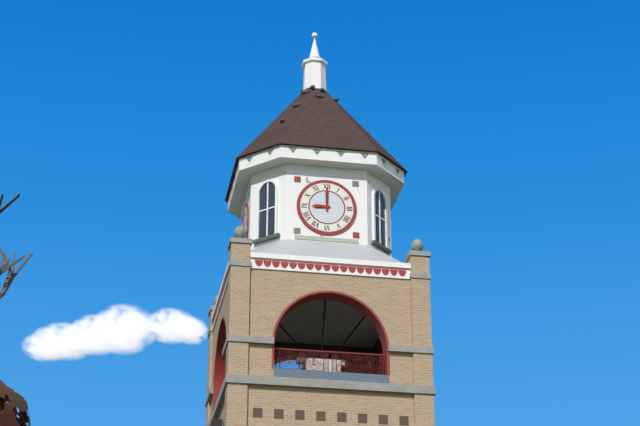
{"hour": 9, "minute": 0}
